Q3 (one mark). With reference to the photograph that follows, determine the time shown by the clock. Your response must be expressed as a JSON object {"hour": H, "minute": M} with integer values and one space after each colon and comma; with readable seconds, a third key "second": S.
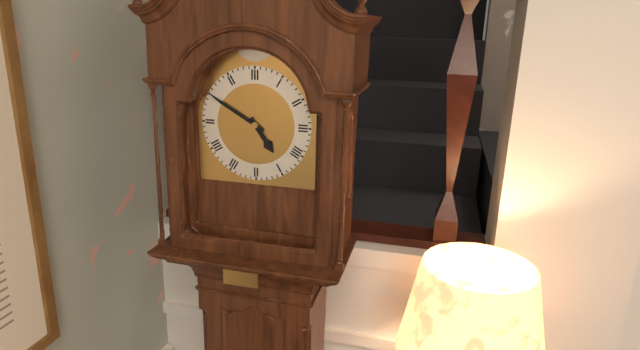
{"hour": 4, "minute": 50}
